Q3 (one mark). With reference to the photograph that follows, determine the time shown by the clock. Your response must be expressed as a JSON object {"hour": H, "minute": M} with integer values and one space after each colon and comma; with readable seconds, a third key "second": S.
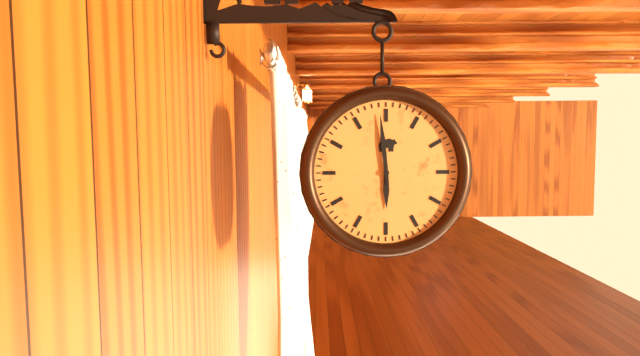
{"hour": 5, "minute": 59}
